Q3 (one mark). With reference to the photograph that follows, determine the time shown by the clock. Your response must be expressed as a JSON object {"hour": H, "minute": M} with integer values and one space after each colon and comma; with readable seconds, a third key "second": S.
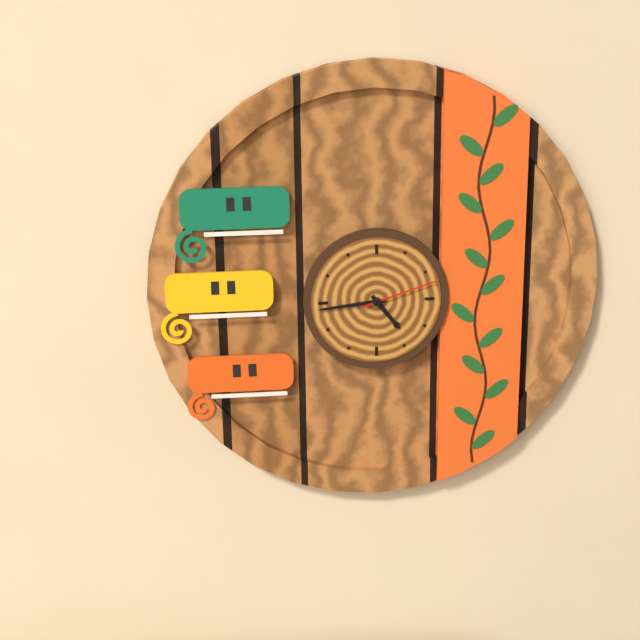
{"hour": 4, "minute": 44, "second": 12}
